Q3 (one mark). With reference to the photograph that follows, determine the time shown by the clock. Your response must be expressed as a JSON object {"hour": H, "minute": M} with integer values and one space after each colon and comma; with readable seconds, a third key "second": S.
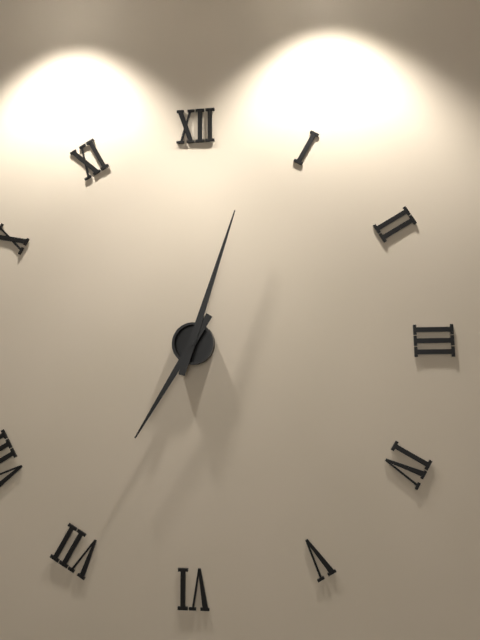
{"hour": 7, "minute": 3}
